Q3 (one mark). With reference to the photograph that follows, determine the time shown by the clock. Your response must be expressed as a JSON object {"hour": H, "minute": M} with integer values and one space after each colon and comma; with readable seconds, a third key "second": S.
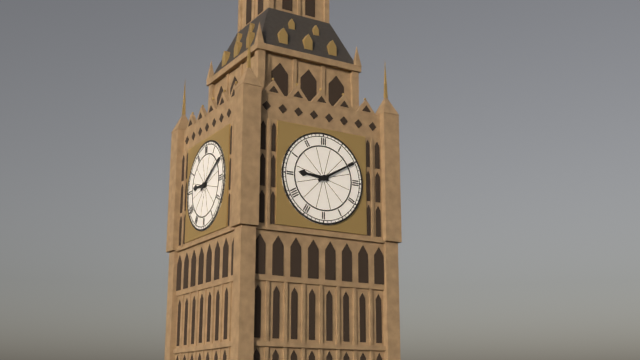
{"hour": 9, "minute": 10}
